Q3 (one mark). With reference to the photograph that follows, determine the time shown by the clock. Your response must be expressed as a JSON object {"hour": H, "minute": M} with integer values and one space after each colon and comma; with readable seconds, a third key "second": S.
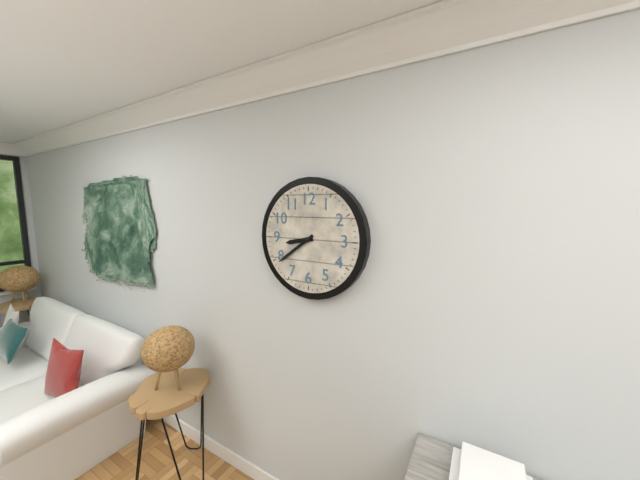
{"hour": 8, "minute": 39}
